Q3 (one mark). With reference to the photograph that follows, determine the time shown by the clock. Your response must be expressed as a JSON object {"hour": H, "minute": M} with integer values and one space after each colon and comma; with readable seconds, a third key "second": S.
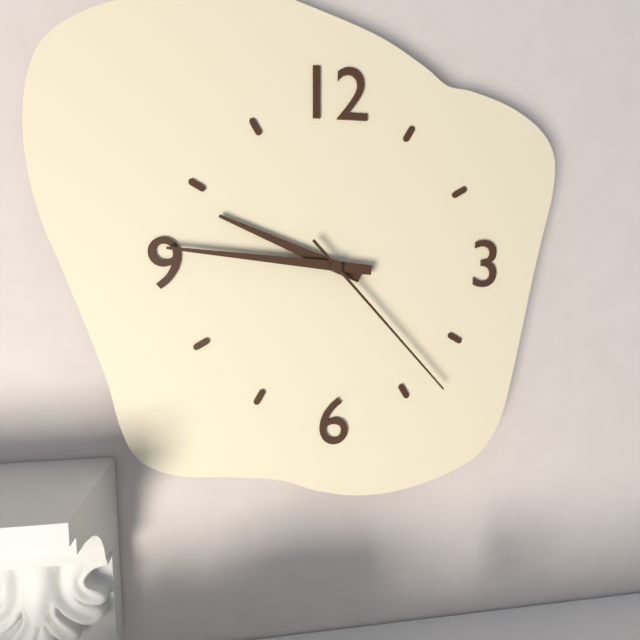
{"hour": 9, "minute": 46, "second": 23}
